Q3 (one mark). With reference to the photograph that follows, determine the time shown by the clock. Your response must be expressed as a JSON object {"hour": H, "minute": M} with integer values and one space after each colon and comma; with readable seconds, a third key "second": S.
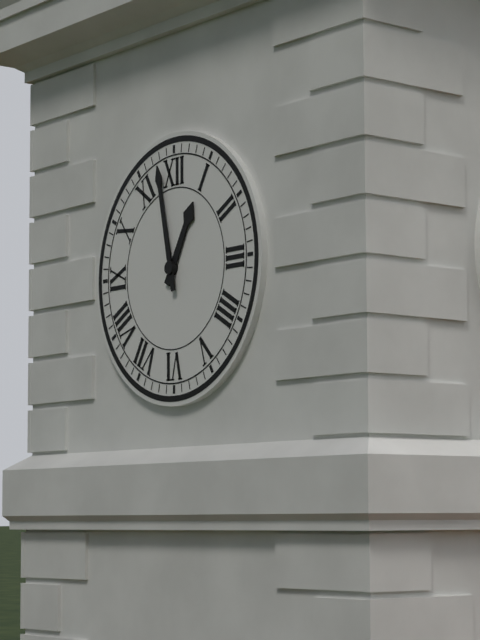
{"hour": 12, "minute": 58}
